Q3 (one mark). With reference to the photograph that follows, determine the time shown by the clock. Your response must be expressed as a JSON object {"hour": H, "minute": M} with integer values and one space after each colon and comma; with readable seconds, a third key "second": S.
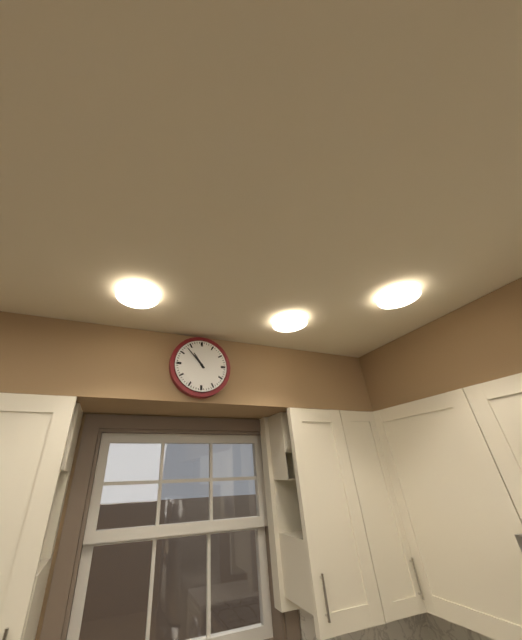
{"hour": 10, "minute": 53}
